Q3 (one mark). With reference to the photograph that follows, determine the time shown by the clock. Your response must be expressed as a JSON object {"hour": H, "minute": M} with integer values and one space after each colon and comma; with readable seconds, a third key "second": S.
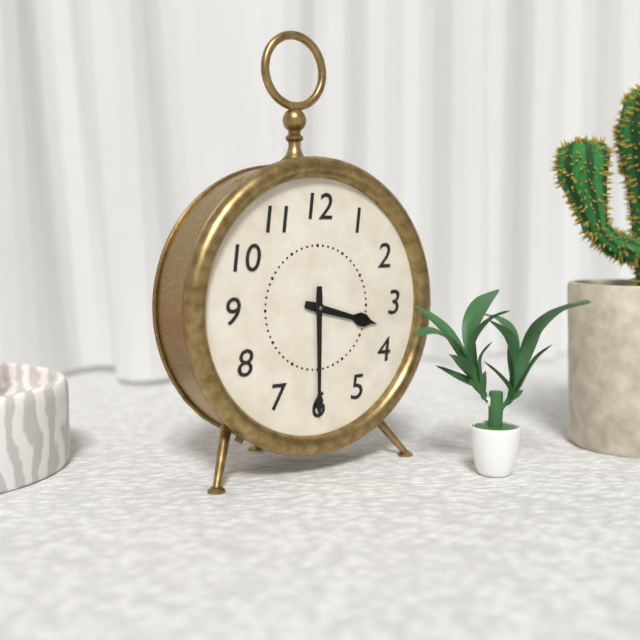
{"hour": 3, "minute": 30}
